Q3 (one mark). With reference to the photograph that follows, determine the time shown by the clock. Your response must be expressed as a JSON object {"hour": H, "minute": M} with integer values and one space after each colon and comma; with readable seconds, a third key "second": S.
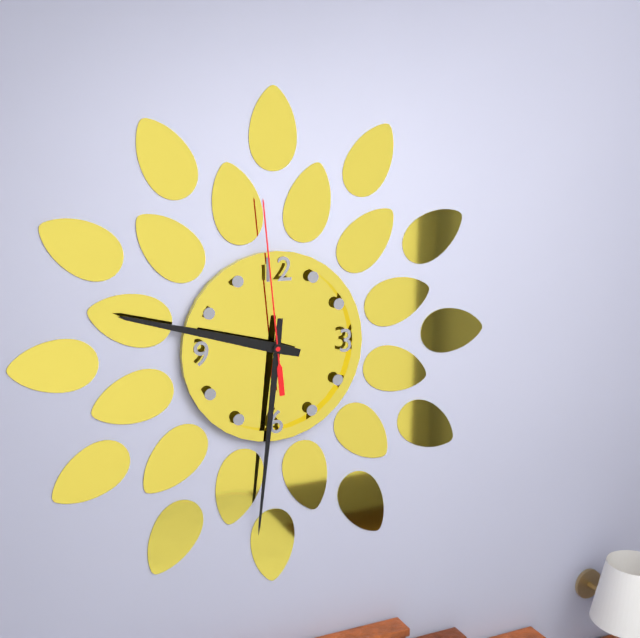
{"hour": 9, "minute": 31, "second": 59}
